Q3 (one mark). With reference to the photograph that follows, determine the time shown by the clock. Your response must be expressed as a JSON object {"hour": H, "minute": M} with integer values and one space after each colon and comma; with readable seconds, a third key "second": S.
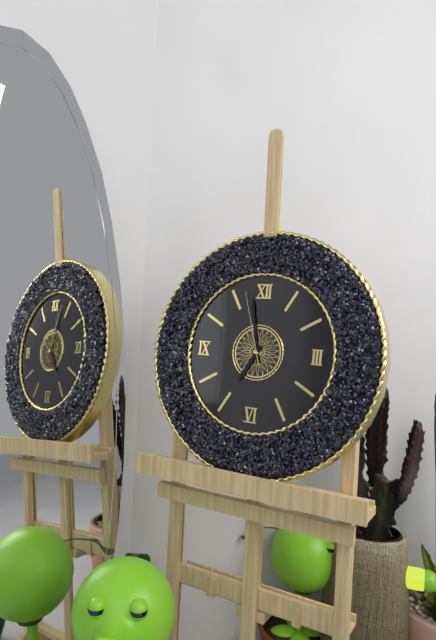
{"hour": 6, "minute": 58, "second": 57}
